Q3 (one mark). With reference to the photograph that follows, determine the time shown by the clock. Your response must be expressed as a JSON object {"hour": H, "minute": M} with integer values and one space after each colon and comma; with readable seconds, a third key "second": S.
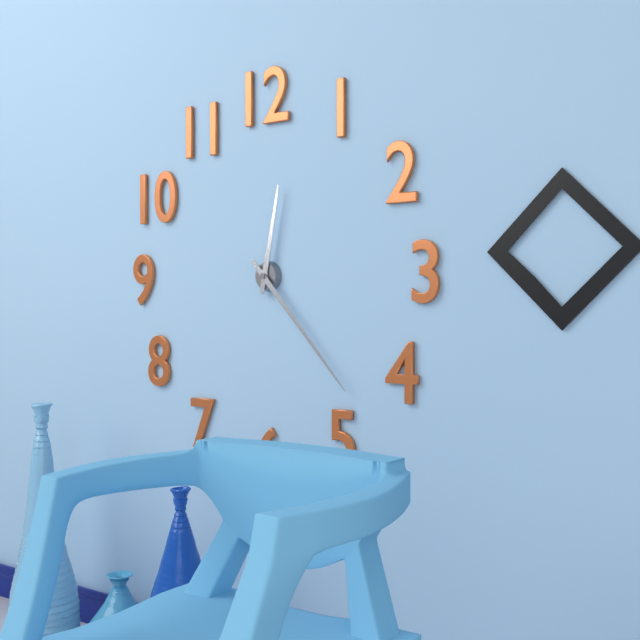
{"hour": 12, "minute": 23}
